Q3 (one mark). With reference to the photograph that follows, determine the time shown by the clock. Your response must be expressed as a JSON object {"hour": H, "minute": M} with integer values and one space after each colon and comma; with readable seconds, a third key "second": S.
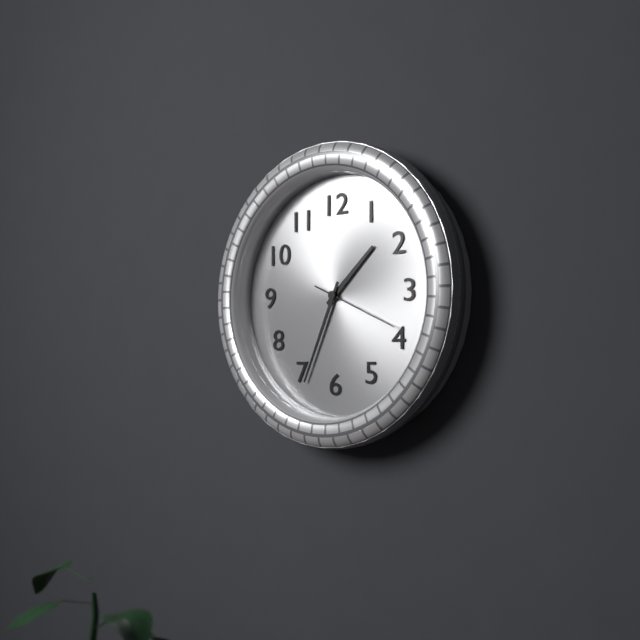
{"hour": 1, "minute": 34, "second": 19}
